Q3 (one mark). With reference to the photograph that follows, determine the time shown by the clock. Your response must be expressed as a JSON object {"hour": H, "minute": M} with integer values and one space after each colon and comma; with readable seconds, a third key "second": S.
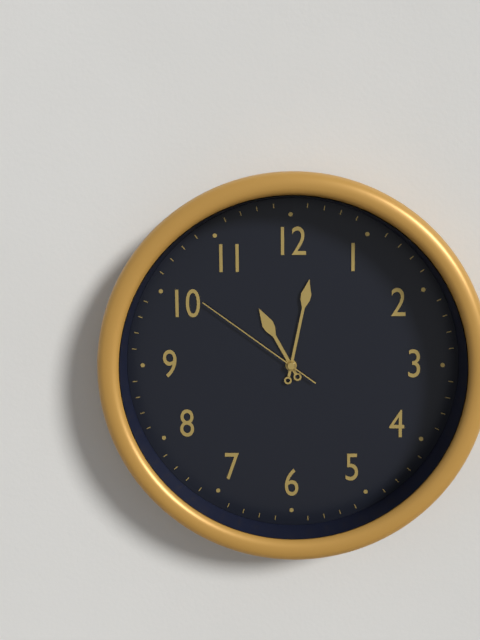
{"hour": 11, "minute": 2, "second": 51}
